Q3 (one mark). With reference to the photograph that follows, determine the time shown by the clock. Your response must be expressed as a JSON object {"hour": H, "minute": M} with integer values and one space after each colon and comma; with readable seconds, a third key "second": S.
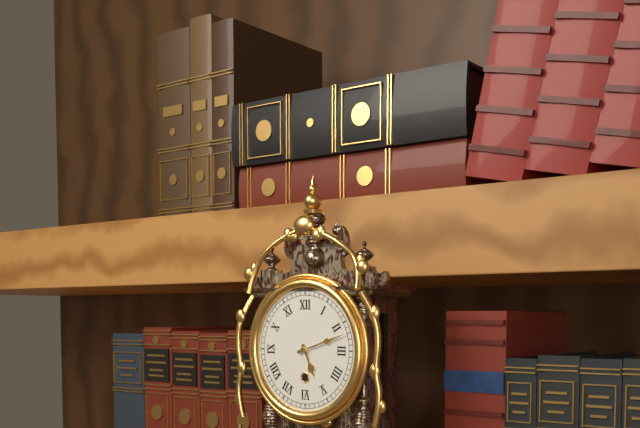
{"hour": 5, "minute": 12}
